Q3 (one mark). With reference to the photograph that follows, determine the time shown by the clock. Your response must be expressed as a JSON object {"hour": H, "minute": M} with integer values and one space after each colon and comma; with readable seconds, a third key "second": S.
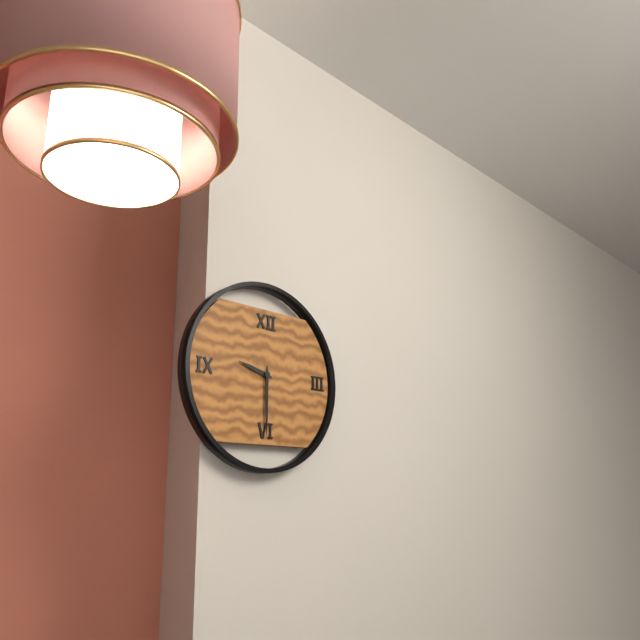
{"hour": 9, "minute": 30}
